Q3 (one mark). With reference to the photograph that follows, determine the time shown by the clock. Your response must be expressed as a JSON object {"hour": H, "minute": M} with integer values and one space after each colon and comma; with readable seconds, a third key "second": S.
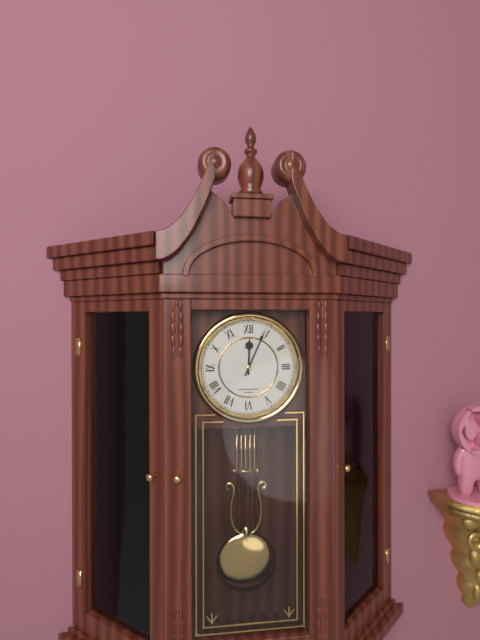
{"hour": 12, "minute": 4}
